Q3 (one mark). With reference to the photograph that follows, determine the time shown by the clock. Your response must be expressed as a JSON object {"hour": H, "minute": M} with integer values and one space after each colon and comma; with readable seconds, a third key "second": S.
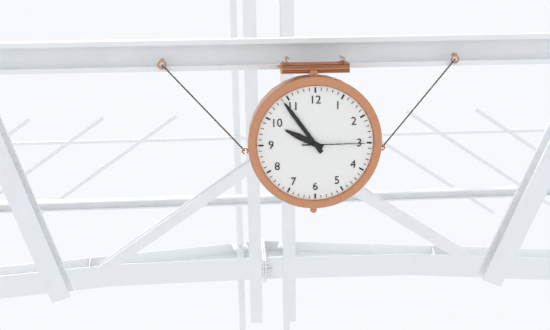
{"hour": 9, "minute": 54, "second": 15}
